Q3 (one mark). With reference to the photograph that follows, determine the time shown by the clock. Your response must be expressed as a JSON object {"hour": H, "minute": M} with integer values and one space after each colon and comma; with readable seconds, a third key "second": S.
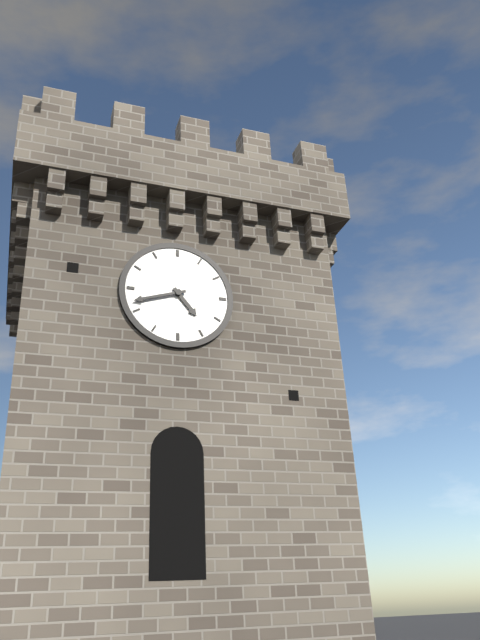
{"hour": 4, "minute": 42}
